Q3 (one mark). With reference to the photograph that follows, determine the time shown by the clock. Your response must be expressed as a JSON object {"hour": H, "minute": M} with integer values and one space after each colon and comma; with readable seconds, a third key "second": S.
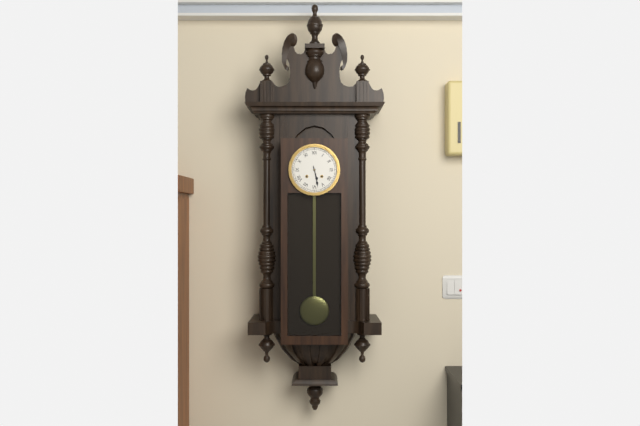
{"hour": 5, "minute": 28}
